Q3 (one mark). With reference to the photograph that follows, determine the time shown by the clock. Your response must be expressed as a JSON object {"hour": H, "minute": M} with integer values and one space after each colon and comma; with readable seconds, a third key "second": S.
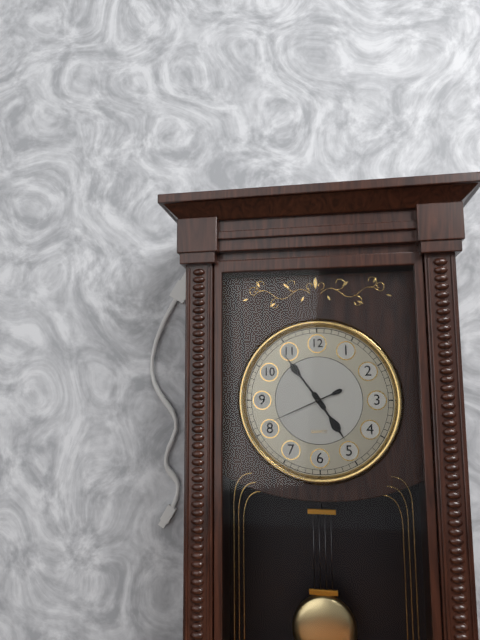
{"hour": 4, "minute": 54, "second": 41}
